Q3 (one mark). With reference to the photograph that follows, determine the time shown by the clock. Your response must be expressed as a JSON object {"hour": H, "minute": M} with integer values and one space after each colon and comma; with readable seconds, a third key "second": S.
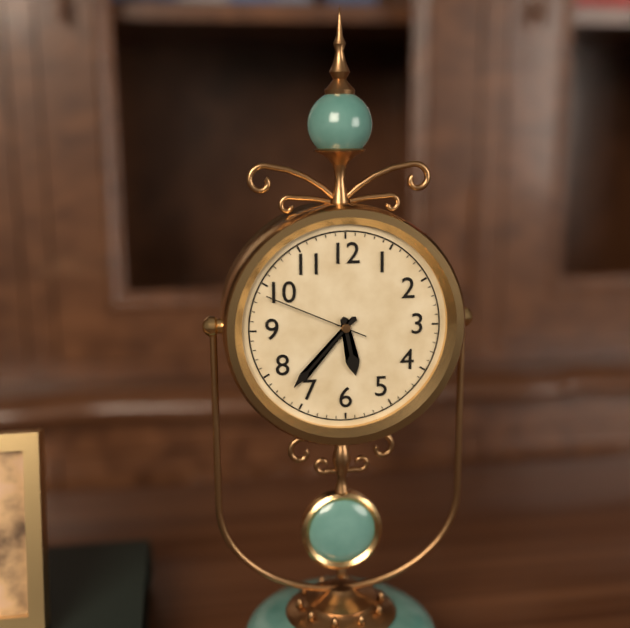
{"hour": 5, "minute": 37, "second": 49}
